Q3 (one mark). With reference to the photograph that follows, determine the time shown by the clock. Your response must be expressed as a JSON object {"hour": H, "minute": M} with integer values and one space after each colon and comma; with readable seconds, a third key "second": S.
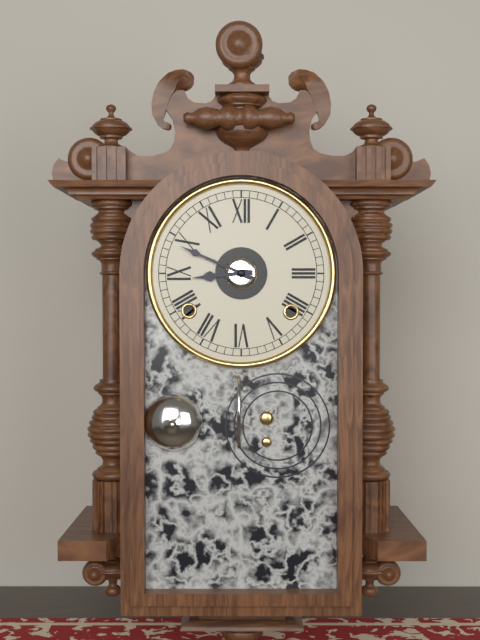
{"hour": 8, "minute": 49}
